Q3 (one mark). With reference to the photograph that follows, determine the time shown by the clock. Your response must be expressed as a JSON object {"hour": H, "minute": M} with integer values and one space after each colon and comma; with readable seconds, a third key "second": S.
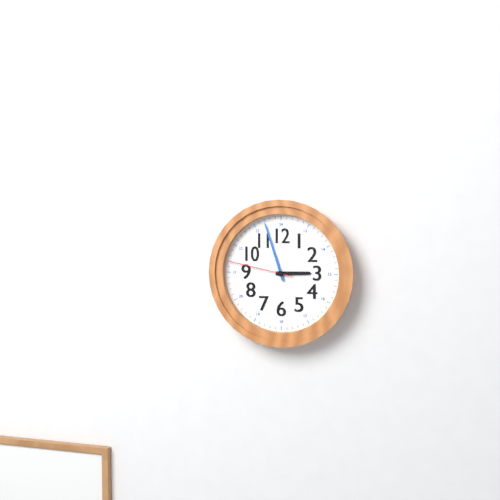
{"hour": 2, "minute": 57, "second": 47}
